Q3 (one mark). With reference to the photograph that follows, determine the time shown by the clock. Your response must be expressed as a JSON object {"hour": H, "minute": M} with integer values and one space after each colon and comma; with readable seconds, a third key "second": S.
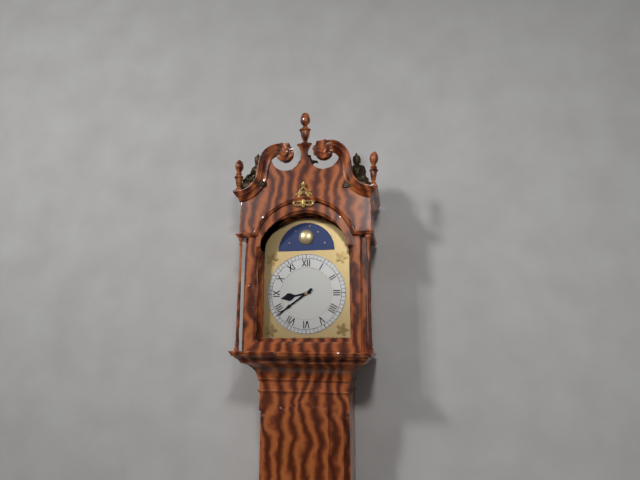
{"hour": 8, "minute": 39}
